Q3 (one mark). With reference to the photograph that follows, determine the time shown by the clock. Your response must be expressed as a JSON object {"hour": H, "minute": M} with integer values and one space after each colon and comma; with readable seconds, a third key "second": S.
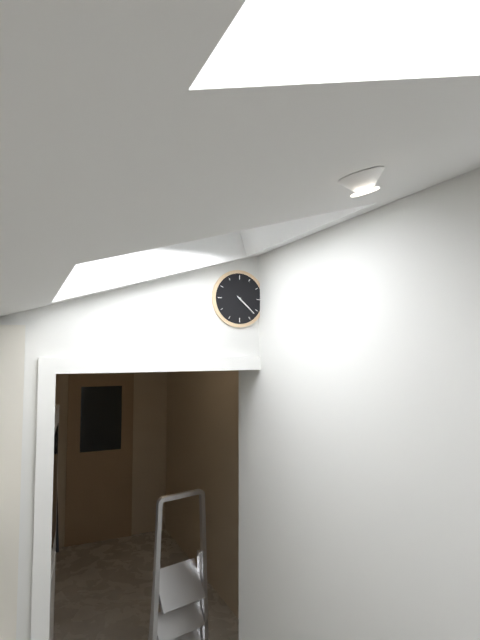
{"hour": 4, "minute": 22}
